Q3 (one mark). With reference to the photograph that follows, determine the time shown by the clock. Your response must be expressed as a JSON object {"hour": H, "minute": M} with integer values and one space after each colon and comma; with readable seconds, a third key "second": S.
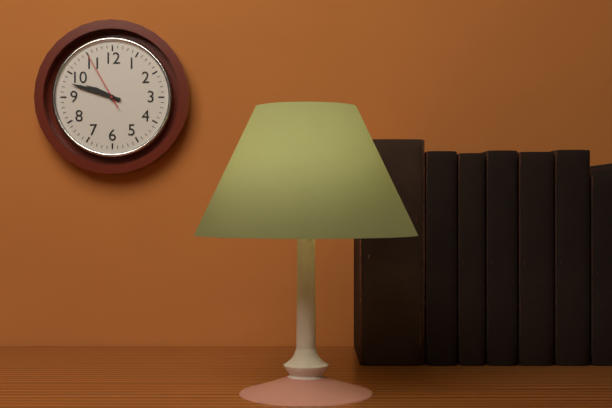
{"hour": 9, "minute": 48, "second": 55}
